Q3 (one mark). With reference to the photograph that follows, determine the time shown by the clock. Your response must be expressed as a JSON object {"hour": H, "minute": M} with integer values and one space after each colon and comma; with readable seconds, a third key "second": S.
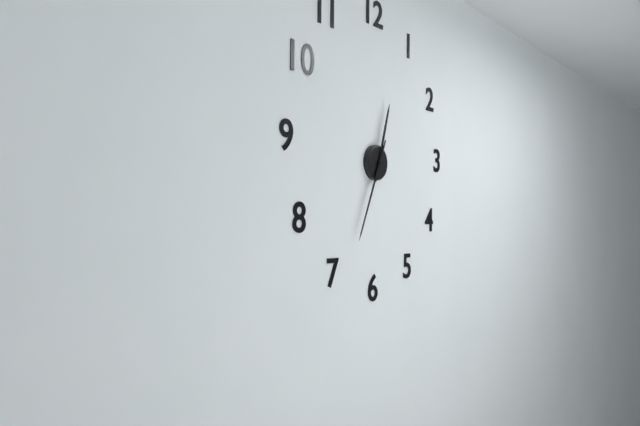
{"hour": 12, "minute": 34}
